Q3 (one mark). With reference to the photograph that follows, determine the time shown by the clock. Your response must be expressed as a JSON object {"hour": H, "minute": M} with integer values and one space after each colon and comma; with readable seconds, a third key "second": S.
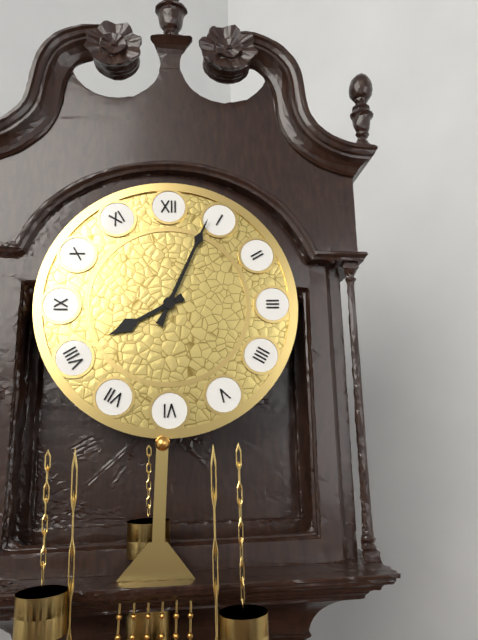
{"hour": 8, "minute": 4}
